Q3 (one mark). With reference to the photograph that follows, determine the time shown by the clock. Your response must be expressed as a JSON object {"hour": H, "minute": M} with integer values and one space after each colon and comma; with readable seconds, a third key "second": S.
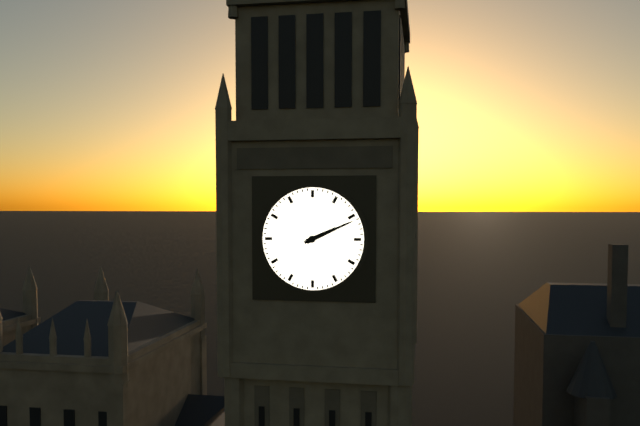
{"hour": 2, "minute": 11}
